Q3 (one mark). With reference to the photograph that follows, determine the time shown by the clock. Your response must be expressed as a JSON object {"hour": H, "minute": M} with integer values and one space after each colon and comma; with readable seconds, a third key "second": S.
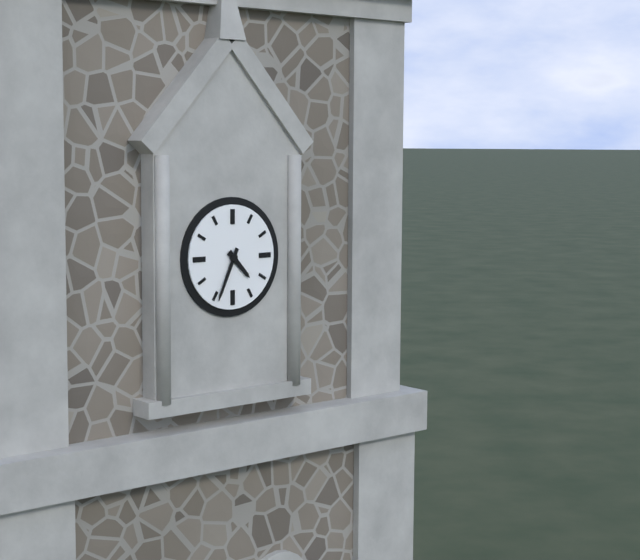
{"hour": 4, "minute": 34}
